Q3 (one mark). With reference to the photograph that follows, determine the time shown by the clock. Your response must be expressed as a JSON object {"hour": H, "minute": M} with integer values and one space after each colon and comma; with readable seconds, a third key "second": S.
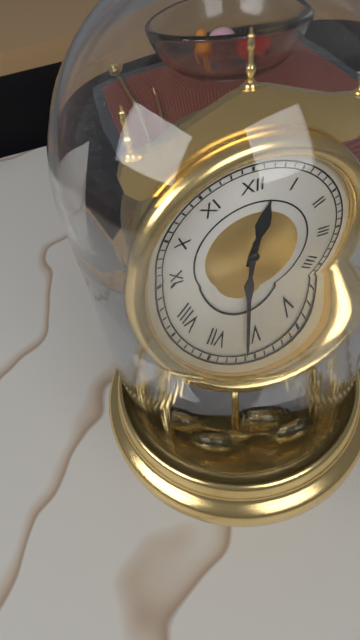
{"hour": 12, "minute": 31}
